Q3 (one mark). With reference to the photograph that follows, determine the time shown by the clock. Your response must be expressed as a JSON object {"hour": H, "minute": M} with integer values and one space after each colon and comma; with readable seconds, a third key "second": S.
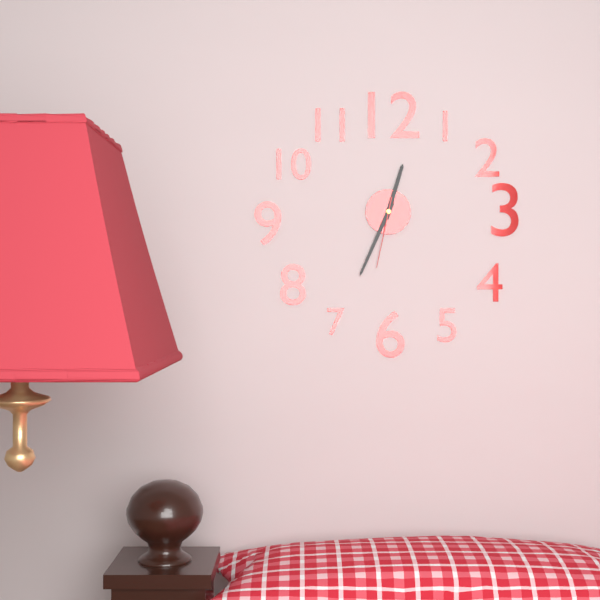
{"hour": 12, "minute": 34, "second": 32}
